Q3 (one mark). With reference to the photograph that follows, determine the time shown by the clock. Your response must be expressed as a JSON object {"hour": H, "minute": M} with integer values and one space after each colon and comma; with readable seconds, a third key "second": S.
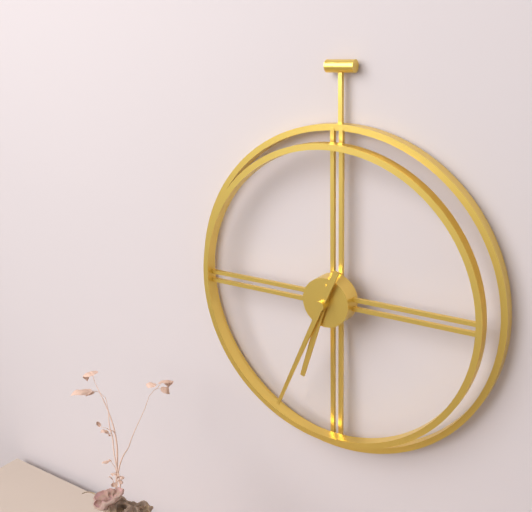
{"hour": 6, "minute": 34}
